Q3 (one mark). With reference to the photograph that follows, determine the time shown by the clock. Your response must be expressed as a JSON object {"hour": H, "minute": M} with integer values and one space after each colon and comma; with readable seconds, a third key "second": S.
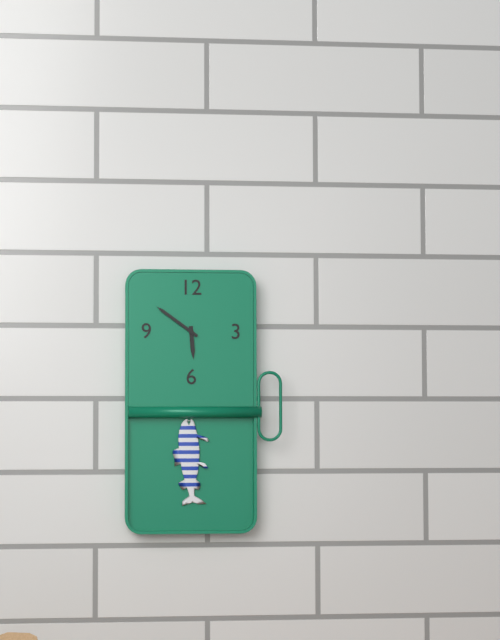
{"hour": 5, "minute": 51}
